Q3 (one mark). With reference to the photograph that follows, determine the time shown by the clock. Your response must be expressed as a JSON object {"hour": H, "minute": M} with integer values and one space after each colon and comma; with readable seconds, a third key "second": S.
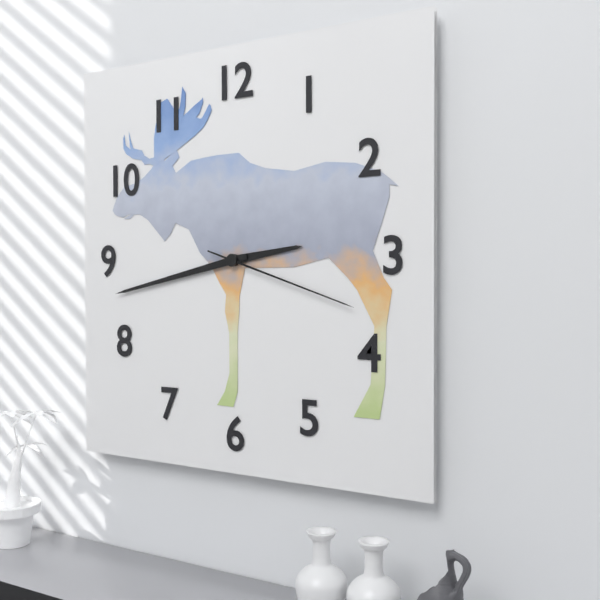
{"hour": 2, "minute": 43, "second": 18}
